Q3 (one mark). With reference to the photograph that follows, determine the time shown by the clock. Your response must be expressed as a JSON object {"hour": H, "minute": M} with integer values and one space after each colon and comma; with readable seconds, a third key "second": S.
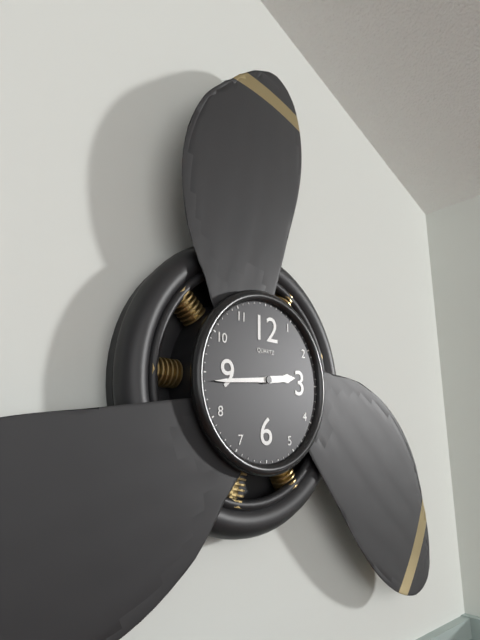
{"hour": 2, "minute": 44}
